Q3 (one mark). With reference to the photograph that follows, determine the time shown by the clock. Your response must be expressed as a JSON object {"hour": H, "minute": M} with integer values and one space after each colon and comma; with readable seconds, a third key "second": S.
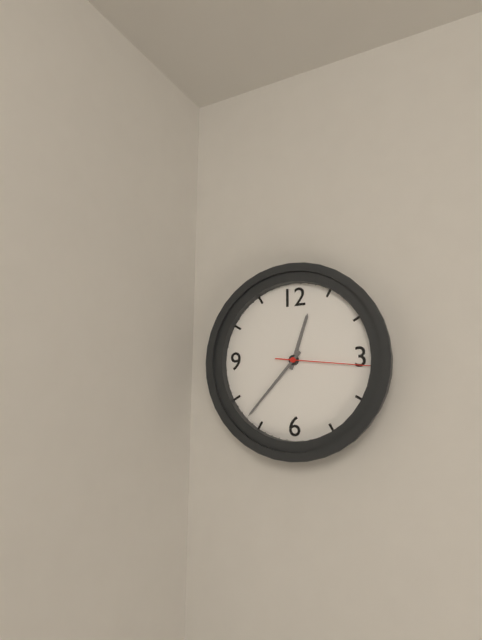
{"hour": 12, "minute": 37, "second": 16}
